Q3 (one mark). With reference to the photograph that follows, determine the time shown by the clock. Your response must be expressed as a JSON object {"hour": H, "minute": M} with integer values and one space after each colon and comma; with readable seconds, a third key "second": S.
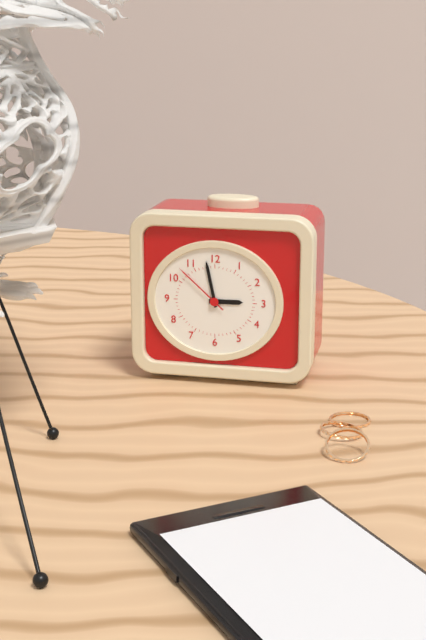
{"hour": 2, "minute": 58, "second": 52}
